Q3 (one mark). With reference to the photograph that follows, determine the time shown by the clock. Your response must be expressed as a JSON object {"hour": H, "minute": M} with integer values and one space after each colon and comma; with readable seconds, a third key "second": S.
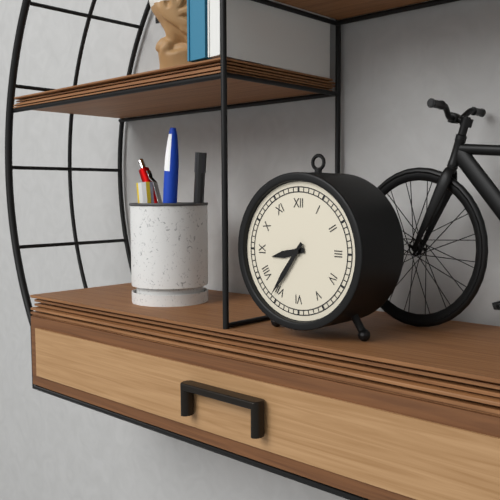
{"hour": 8, "minute": 36}
